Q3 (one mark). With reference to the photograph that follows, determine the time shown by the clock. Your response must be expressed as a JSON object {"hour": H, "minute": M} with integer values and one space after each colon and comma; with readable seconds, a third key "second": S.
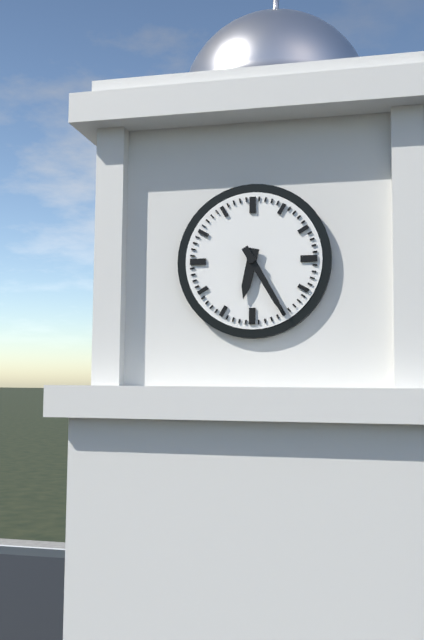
{"hour": 6, "minute": 25}
